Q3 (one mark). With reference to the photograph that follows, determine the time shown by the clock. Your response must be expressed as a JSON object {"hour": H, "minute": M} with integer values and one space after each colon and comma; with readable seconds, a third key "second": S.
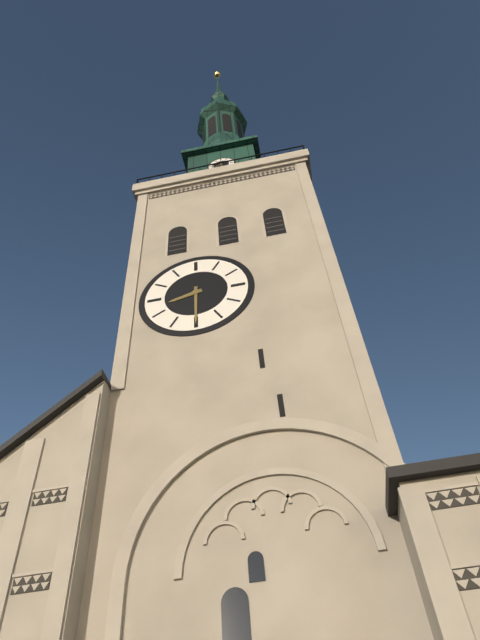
{"hour": 8, "minute": 30}
